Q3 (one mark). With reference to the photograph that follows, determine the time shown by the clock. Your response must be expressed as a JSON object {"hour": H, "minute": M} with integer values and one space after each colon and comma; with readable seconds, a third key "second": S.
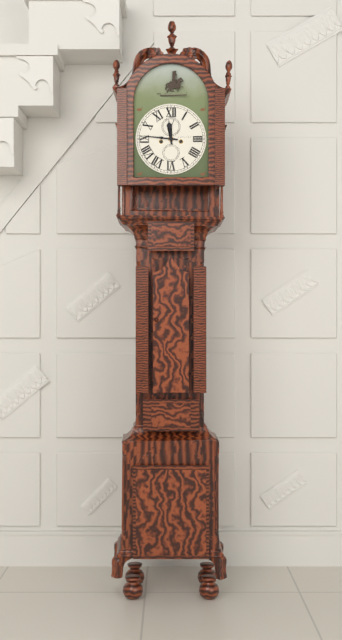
{"hour": 11, "minute": 46}
